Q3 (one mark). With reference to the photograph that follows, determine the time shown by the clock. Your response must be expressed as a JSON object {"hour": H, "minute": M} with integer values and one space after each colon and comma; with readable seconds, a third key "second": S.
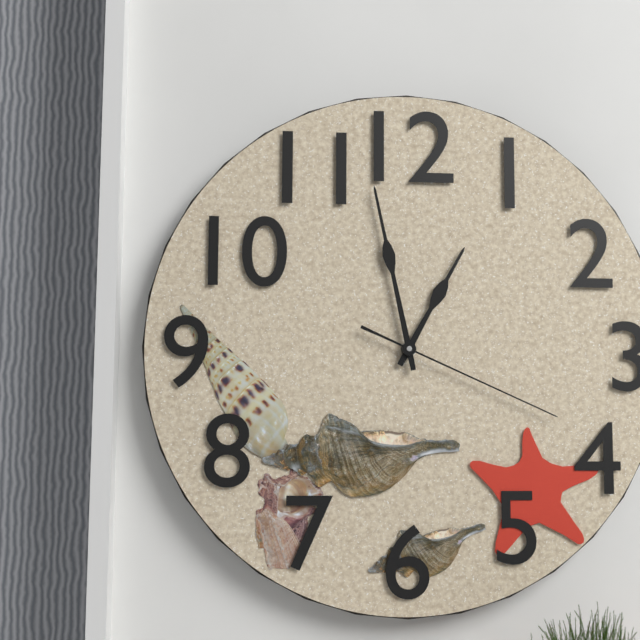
{"hour": 12, "minute": 58, "second": 19}
